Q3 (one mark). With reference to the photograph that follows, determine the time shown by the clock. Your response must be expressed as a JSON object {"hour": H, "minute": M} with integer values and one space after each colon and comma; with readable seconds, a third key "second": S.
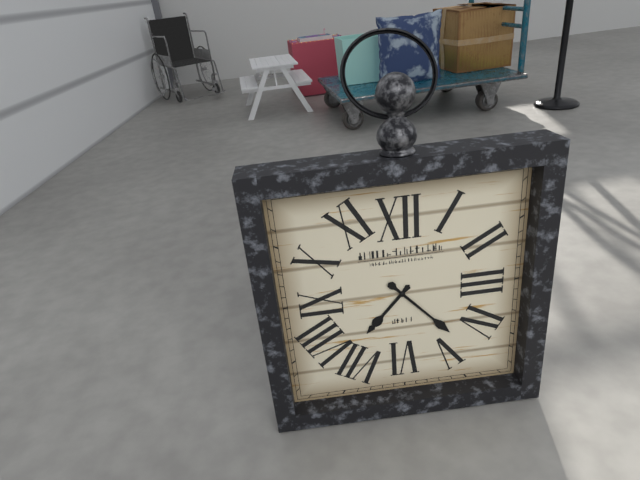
{"hour": 7, "minute": 23}
